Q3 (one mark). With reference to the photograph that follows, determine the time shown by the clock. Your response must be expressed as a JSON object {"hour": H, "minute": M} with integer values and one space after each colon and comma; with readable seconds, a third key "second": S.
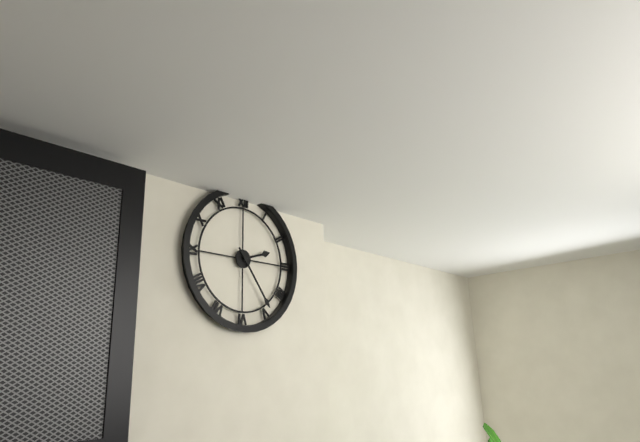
{"hour": 2, "minute": 24}
